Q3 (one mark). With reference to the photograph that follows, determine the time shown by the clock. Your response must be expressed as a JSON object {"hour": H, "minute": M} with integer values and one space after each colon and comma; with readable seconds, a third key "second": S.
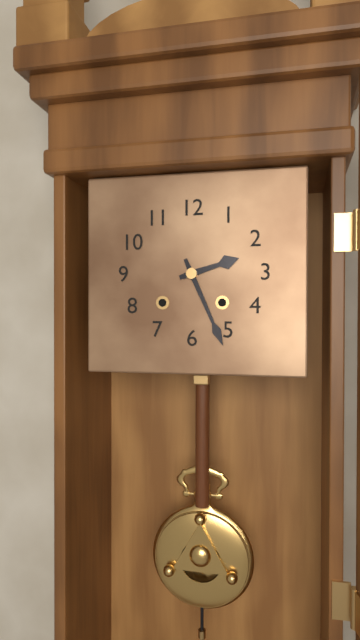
{"hour": 2, "minute": 26}
